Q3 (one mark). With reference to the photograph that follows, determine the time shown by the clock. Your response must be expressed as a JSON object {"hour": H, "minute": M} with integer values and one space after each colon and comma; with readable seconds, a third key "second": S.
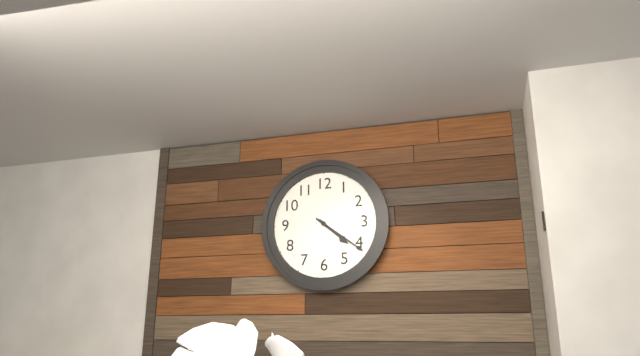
{"hour": 4, "minute": 21}
